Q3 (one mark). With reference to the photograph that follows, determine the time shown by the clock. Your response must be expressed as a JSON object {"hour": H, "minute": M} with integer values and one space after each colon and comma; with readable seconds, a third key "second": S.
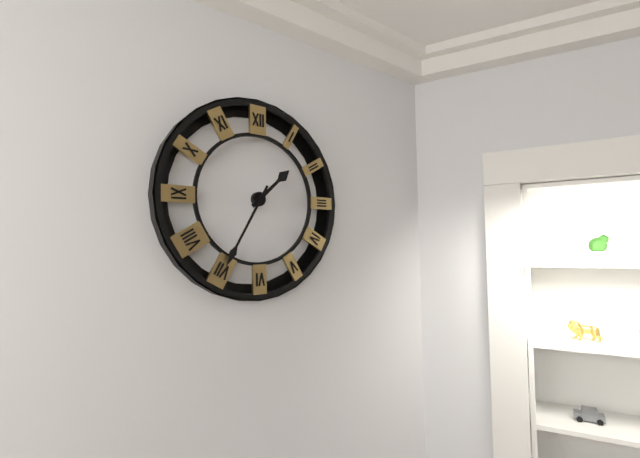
{"hour": 1, "minute": 35}
